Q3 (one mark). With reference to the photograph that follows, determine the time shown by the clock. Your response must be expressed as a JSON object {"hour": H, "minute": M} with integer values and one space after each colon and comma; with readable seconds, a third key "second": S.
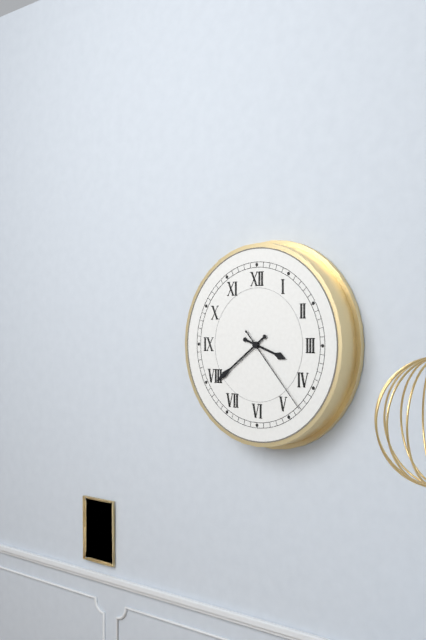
{"hour": 3, "minute": 39, "second": 23}
